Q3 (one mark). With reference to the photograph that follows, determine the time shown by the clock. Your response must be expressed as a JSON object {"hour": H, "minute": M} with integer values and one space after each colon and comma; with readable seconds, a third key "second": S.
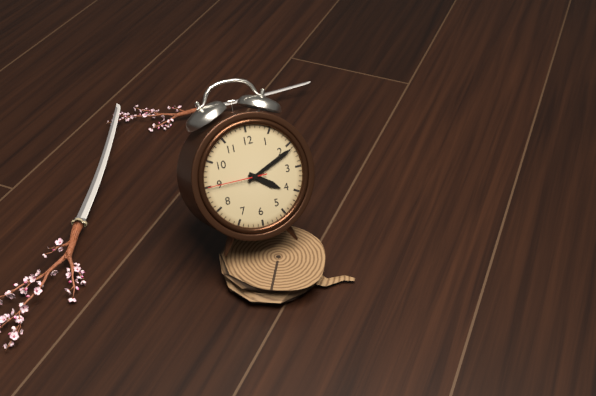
{"hour": 4, "minute": 11, "second": 45}
